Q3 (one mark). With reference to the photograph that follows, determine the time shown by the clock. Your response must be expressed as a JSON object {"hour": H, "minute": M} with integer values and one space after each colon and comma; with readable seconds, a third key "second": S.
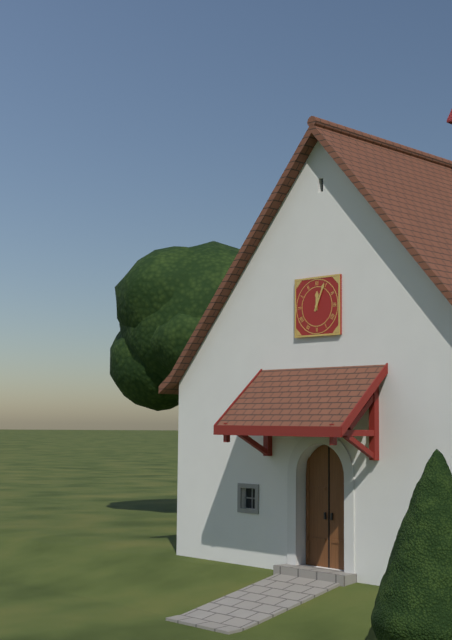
{"hour": 12, "minute": 4}
